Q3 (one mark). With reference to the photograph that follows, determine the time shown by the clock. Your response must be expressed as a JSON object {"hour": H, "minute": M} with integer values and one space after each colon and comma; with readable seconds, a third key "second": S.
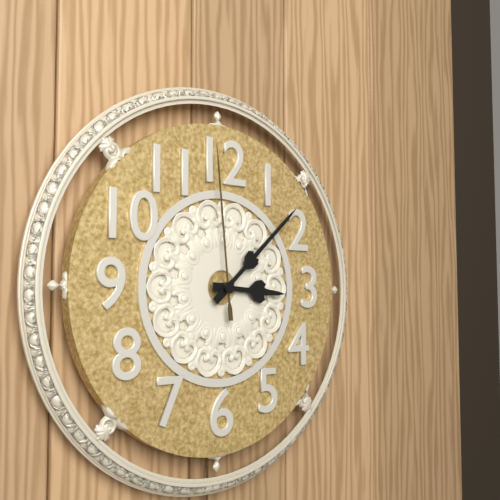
{"hour": 3, "minute": 8, "second": 59}
